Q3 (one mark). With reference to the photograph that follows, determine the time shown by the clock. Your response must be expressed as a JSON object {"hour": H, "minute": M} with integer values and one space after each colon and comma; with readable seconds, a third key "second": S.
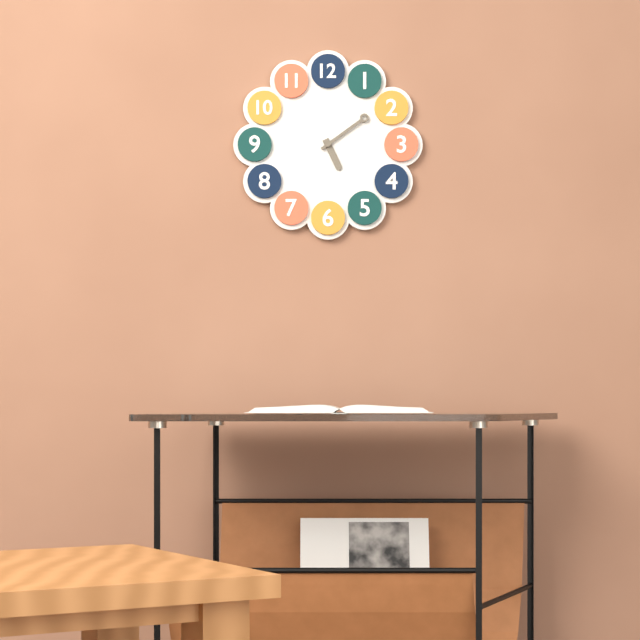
{"hour": 5, "minute": 9}
